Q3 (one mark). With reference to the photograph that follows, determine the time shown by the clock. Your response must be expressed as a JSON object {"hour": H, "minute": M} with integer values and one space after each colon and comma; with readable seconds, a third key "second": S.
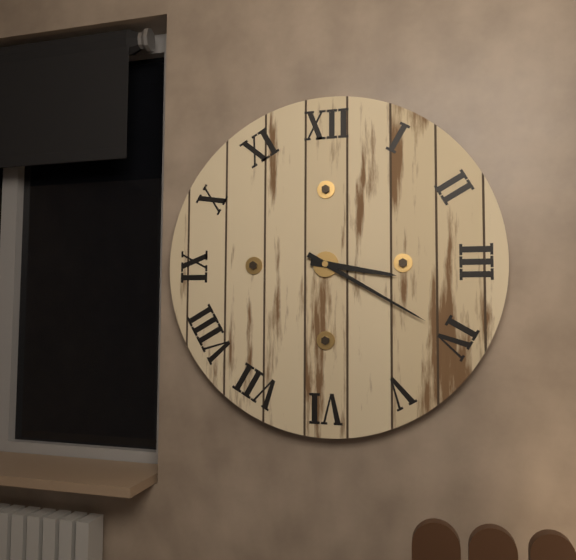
{"hour": 3, "minute": 20}
